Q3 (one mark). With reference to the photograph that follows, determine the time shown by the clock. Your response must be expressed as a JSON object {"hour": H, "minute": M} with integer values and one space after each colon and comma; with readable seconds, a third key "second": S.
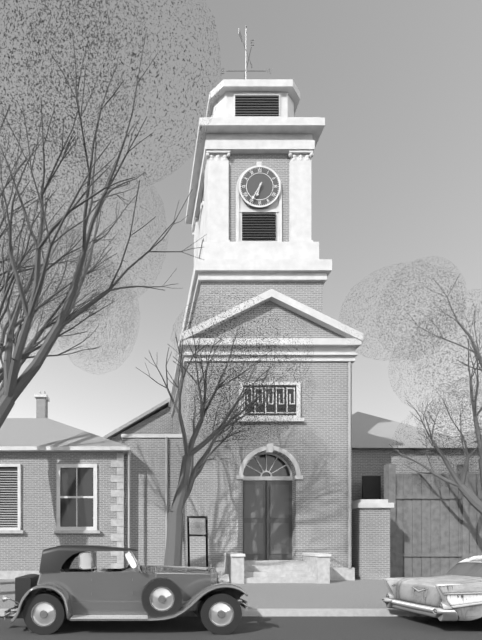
{"hour": 6, "minute": 35}
